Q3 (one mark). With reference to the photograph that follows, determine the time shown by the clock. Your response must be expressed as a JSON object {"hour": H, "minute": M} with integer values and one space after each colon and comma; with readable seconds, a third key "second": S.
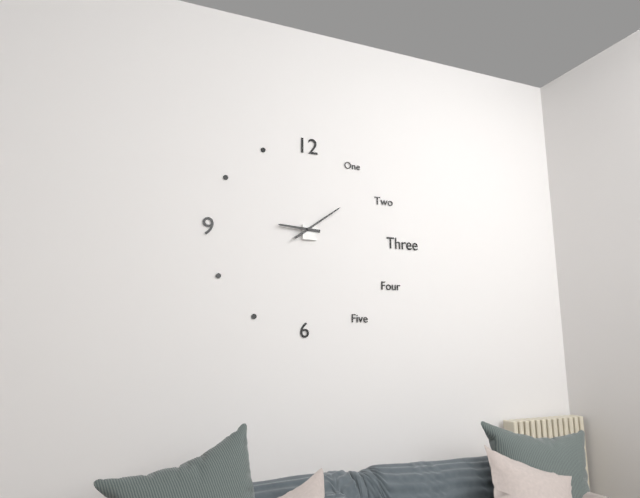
{"hour": 9, "minute": 9}
